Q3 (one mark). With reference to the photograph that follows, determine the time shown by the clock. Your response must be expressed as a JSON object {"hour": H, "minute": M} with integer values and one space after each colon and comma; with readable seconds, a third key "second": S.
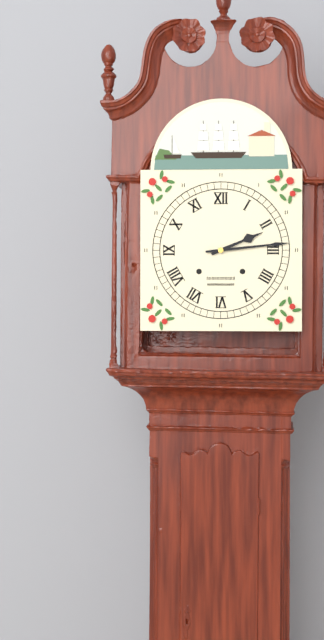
{"hour": 2, "minute": 14}
